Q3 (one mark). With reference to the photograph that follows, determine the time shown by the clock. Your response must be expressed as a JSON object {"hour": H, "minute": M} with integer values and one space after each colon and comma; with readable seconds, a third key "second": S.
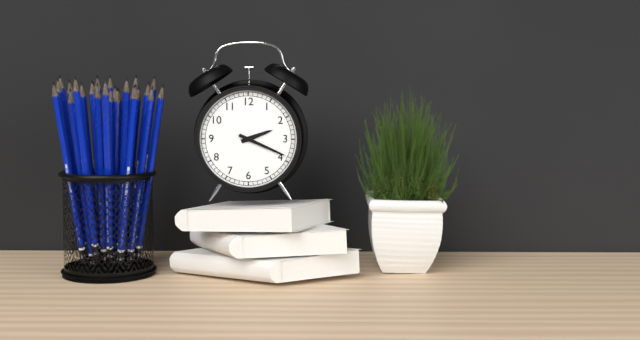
{"hour": 2, "minute": 19}
